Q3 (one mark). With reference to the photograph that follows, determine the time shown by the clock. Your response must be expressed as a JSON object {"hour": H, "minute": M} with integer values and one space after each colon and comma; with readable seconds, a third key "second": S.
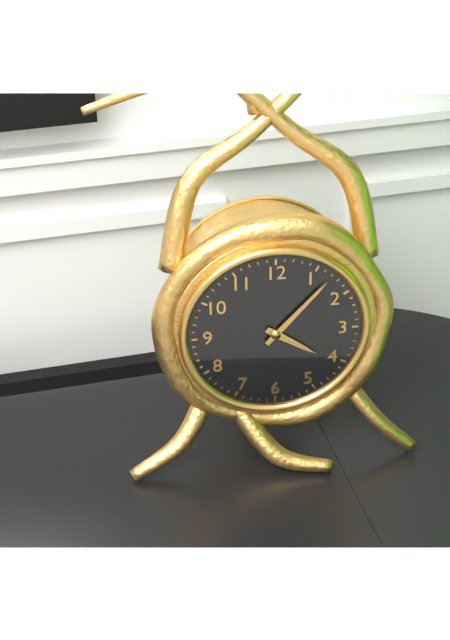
{"hour": 4, "minute": 7}
